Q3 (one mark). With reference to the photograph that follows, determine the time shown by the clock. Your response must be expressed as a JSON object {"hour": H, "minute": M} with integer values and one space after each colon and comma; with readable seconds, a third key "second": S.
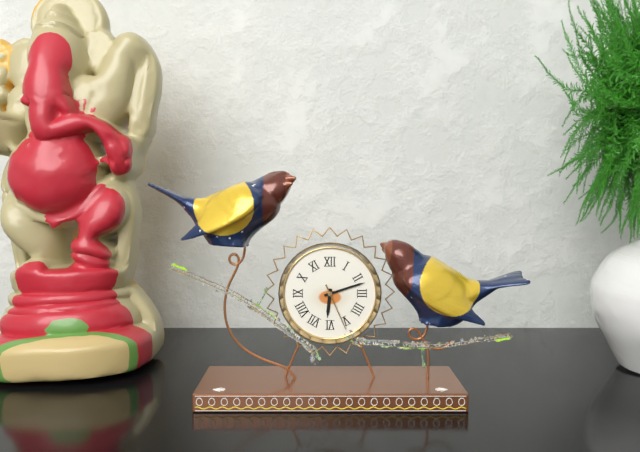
{"hour": 6, "minute": 12}
